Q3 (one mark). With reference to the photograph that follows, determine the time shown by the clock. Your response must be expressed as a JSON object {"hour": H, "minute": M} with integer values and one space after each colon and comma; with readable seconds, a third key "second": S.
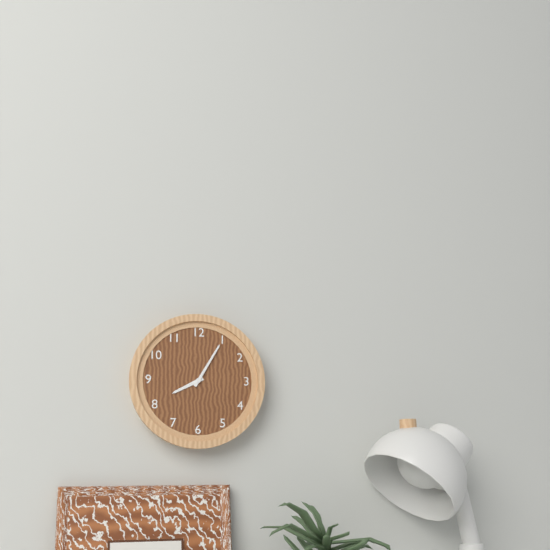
{"hour": 8, "minute": 5}
